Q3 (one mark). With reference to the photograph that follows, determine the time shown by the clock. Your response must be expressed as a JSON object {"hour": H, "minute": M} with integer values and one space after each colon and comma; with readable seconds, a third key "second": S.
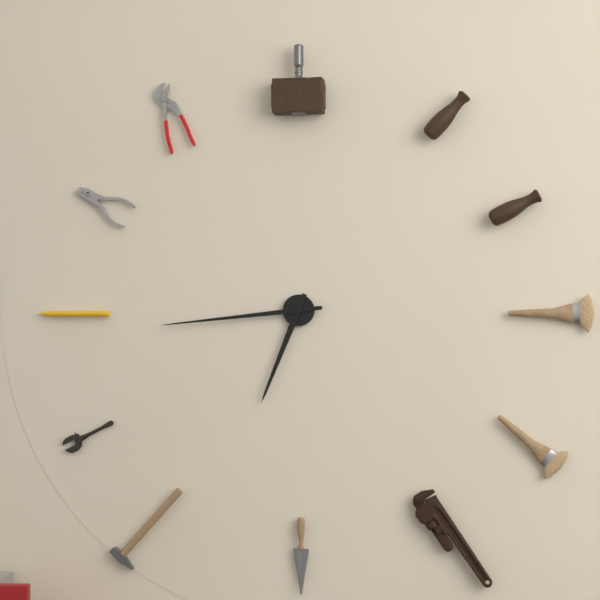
{"hour": 6, "minute": 44}
